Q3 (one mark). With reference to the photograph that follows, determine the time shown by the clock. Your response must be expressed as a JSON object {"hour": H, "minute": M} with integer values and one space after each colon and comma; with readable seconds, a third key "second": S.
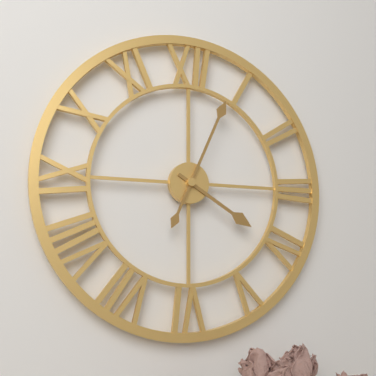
{"hour": 4, "minute": 4}
